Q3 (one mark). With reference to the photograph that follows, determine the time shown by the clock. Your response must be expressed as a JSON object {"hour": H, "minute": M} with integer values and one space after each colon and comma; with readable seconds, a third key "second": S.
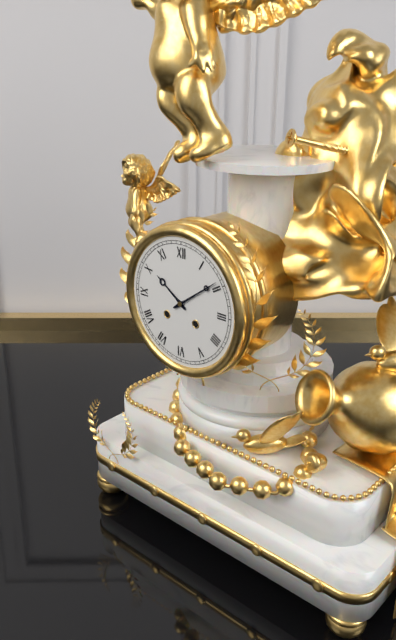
{"hour": 10, "minute": 9}
